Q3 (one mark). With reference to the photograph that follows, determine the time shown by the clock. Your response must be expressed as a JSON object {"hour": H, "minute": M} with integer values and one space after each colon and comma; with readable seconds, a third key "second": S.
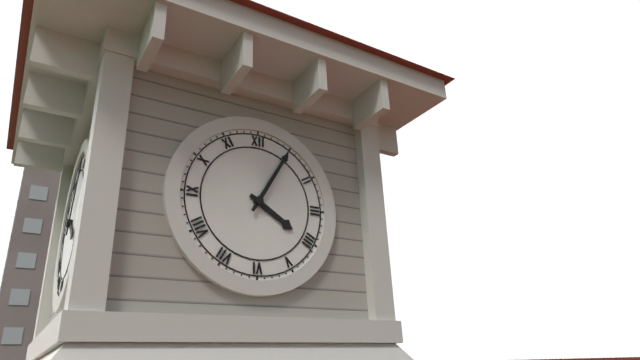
{"hour": 4, "minute": 5}
